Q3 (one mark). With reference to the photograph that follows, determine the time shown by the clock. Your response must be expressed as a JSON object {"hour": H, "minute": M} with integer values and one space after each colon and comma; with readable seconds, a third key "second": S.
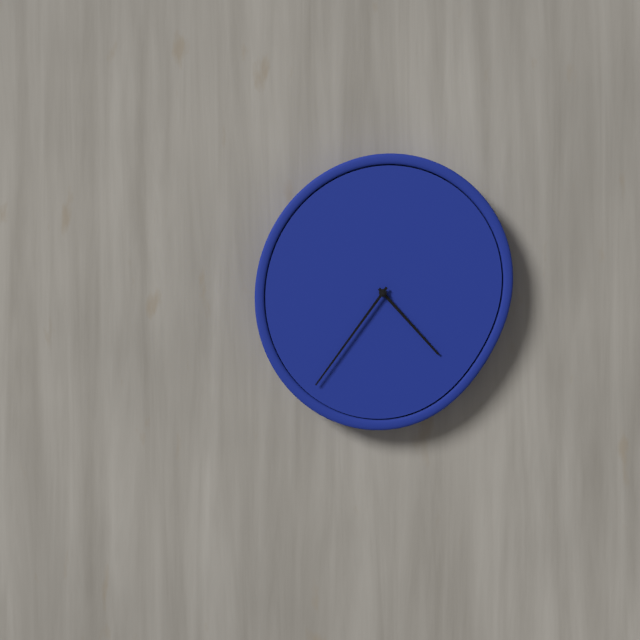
{"hour": 4, "minute": 36}
